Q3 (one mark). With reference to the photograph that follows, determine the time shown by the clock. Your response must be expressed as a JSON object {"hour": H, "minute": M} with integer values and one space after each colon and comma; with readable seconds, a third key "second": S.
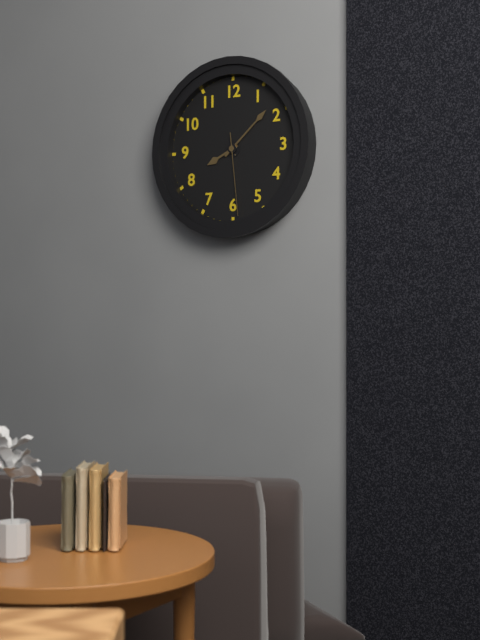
{"hour": 8, "minute": 8, "second": 29}
